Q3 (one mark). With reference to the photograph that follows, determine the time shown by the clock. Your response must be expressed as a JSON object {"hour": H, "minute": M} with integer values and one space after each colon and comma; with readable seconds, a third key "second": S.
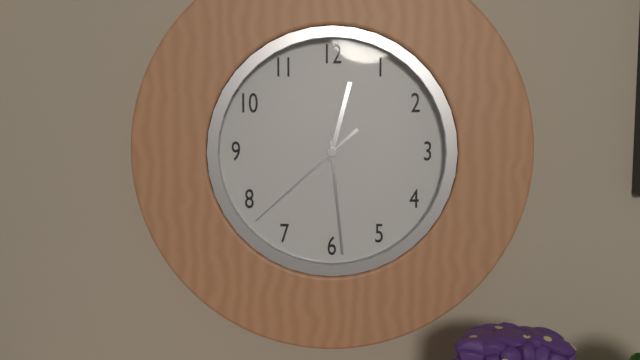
{"hour": 12, "minute": 29, "second": 38}
